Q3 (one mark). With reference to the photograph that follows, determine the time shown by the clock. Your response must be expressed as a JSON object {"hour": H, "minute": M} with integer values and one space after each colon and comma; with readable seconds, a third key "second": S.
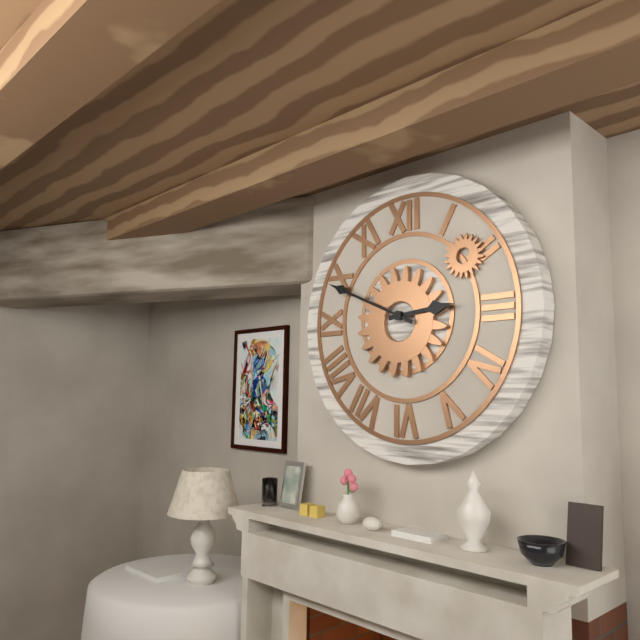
{"hour": 2, "minute": 49}
